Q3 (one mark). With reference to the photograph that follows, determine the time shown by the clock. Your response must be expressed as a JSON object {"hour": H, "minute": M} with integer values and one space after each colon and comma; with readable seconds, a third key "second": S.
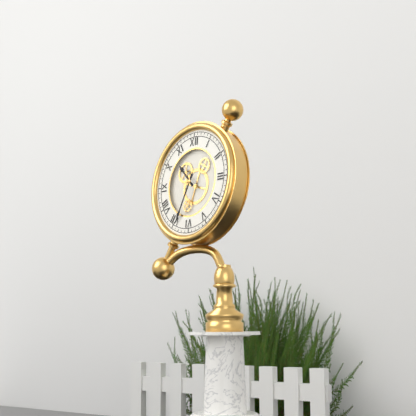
{"hour": 10, "minute": 34}
